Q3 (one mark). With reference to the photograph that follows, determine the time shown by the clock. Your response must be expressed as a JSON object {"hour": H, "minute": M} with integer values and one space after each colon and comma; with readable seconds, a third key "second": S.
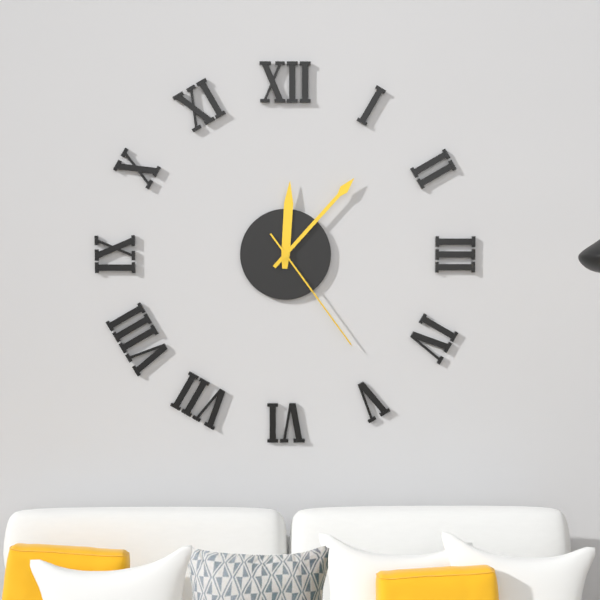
{"hour": 12, "minute": 7, "second": 24}
